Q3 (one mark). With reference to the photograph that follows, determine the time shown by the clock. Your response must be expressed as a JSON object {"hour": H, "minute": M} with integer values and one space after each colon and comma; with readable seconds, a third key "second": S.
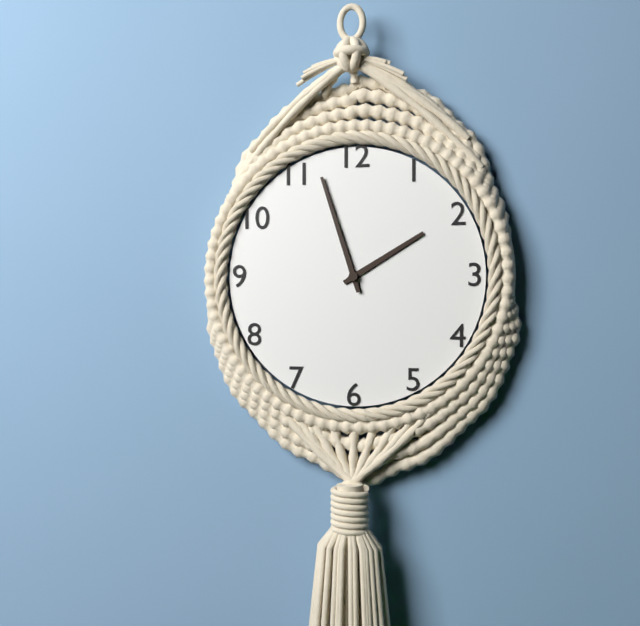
{"hour": 1, "minute": 57}
